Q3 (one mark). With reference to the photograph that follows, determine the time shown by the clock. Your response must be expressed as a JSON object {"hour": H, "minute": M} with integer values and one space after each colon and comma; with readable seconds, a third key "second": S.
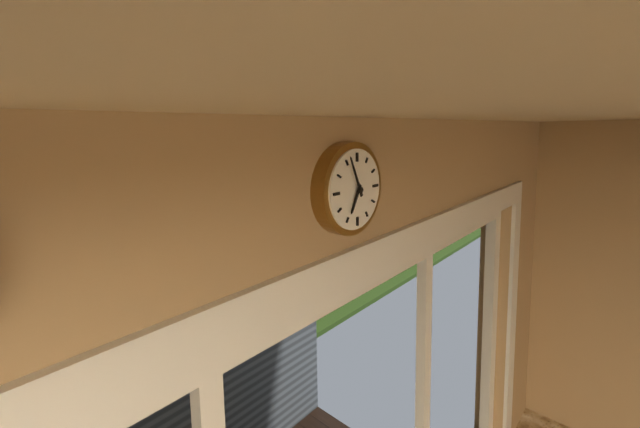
{"hour": 6, "minute": 56}
